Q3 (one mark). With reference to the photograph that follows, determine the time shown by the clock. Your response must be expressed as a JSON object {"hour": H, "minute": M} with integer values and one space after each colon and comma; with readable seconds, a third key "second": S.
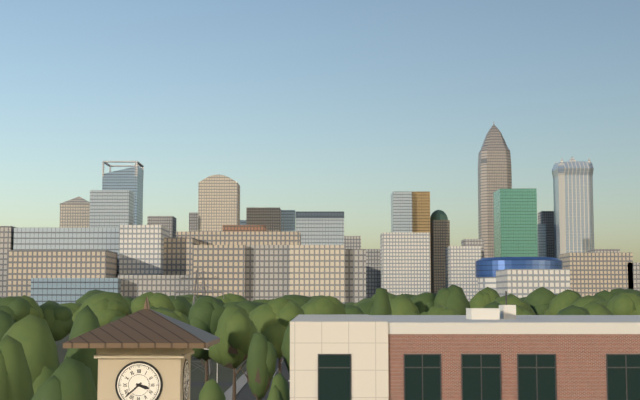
{"hour": 3, "minute": 38}
